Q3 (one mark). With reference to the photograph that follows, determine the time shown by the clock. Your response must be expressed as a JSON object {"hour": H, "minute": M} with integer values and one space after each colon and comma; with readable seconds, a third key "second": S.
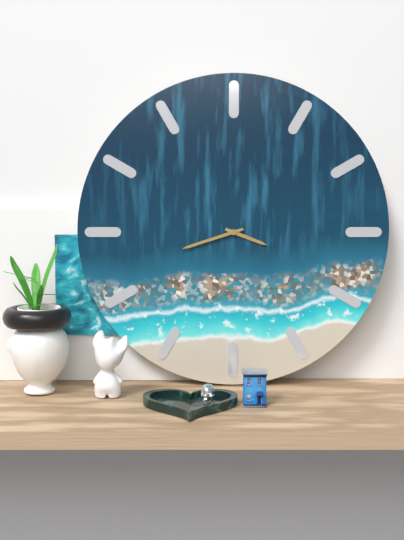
{"hour": 3, "minute": 42}
